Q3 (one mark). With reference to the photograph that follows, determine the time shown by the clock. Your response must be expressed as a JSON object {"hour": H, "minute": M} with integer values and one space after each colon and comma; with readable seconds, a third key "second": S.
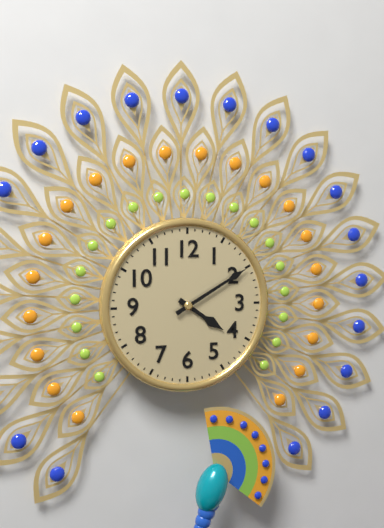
{"hour": 4, "minute": 10}
